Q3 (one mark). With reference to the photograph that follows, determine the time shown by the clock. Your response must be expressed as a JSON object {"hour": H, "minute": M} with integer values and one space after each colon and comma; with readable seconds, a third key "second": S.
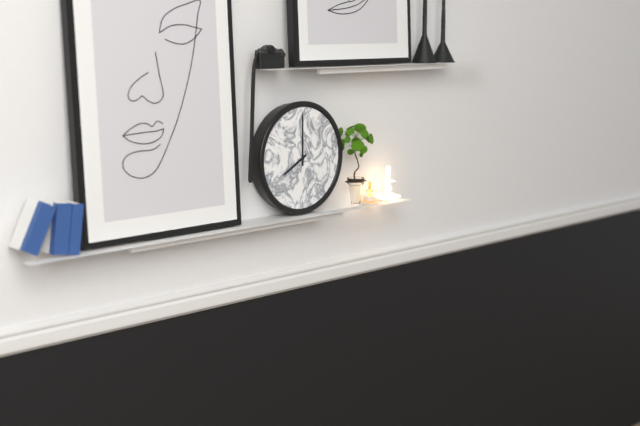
{"hour": 8, "minute": 0}
